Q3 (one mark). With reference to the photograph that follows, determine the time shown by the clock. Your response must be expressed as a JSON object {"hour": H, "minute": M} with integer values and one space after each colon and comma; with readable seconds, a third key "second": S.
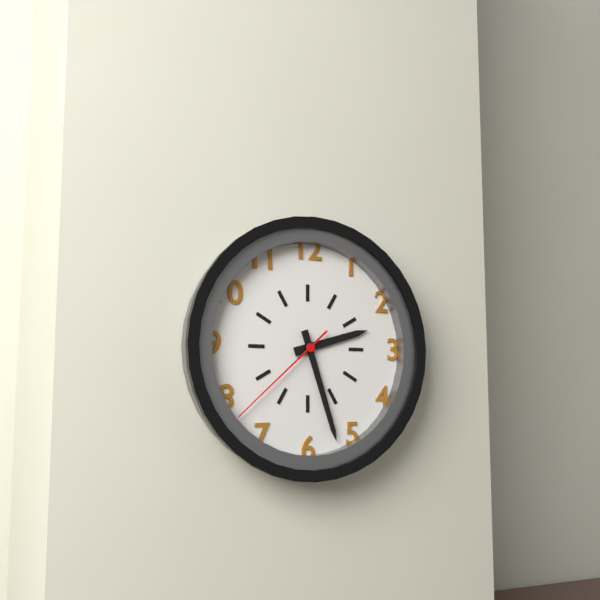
{"hour": 2, "minute": 27, "second": 38}
